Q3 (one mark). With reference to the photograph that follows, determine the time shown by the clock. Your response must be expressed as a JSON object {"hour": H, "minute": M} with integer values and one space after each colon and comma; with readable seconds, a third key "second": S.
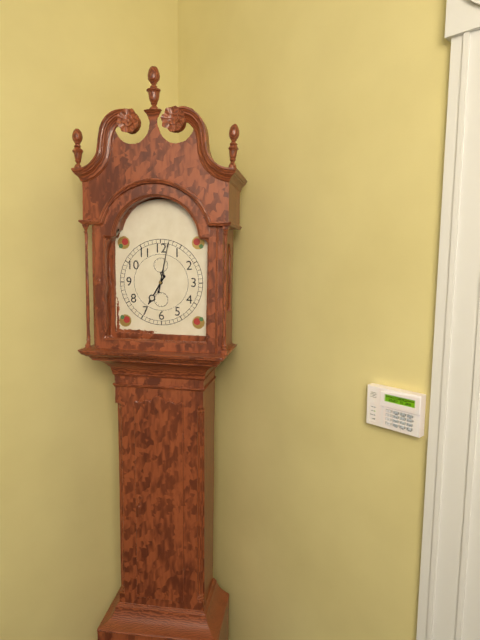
{"hour": 7, "minute": 2}
